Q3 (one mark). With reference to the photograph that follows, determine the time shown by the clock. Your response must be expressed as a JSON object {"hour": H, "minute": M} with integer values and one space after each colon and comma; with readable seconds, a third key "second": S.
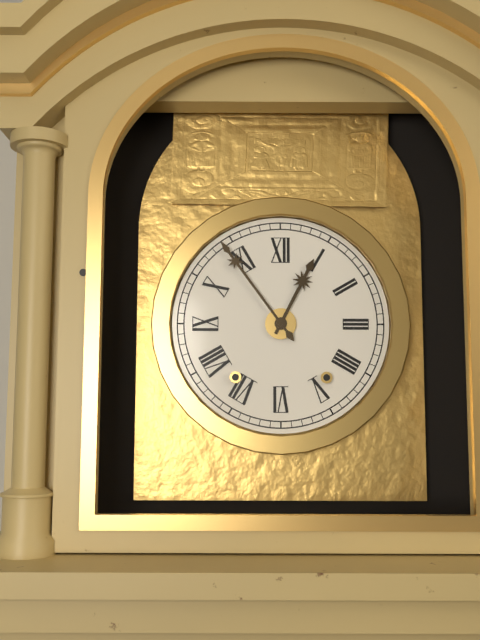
{"hour": 12, "minute": 54}
